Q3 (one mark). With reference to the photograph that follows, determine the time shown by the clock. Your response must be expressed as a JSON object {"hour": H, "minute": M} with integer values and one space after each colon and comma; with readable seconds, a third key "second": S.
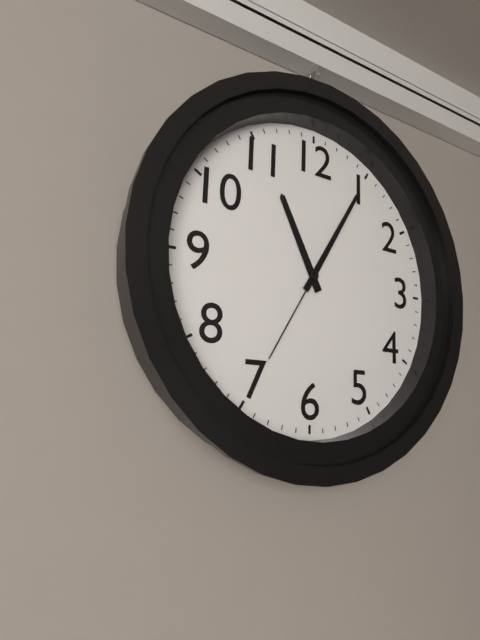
{"hour": 11, "minute": 5, "second": 35}
